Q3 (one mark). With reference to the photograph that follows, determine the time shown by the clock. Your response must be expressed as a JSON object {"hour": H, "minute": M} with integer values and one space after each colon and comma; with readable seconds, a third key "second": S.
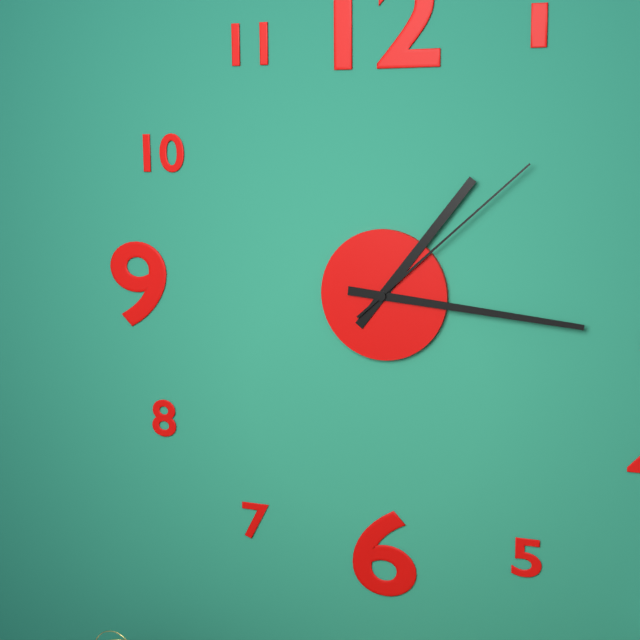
{"hour": 1, "minute": 16, "second": 8}
